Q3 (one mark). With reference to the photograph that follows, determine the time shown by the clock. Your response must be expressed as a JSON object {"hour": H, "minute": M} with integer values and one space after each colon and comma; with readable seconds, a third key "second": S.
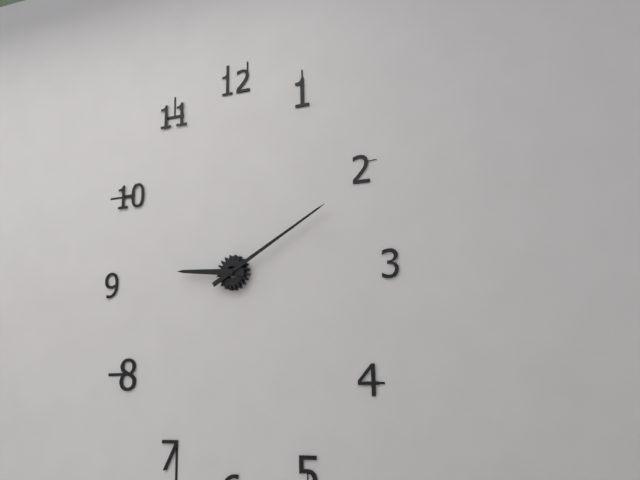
{"hour": 9, "minute": 10}
